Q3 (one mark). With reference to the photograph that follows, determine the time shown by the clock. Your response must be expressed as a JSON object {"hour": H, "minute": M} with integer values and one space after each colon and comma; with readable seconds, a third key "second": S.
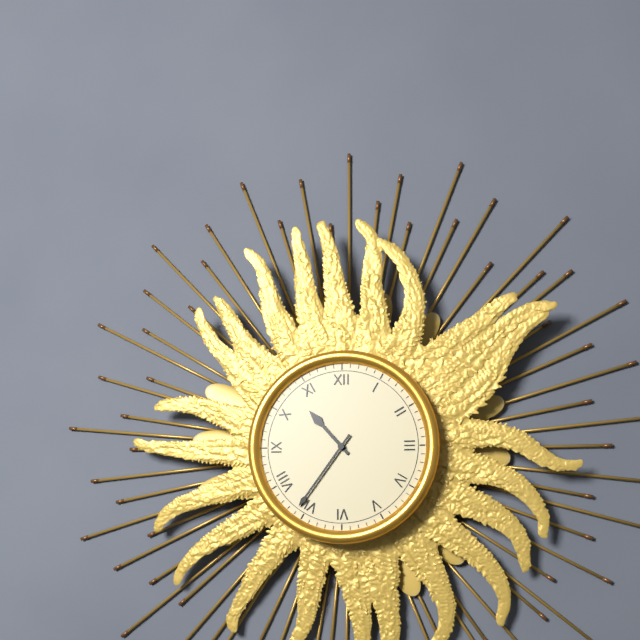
{"hour": 10, "minute": 36}
